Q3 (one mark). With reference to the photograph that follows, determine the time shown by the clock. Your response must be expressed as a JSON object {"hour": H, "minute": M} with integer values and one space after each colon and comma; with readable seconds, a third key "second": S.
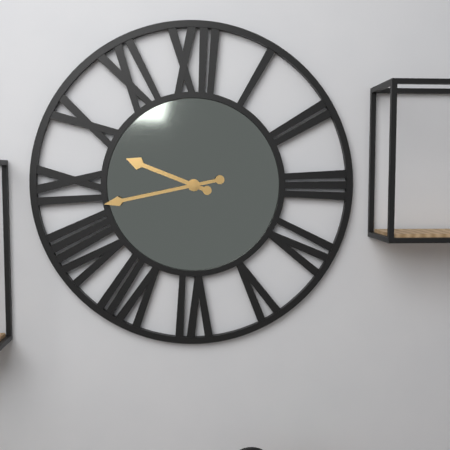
{"hour": 9, "minute": 43}
